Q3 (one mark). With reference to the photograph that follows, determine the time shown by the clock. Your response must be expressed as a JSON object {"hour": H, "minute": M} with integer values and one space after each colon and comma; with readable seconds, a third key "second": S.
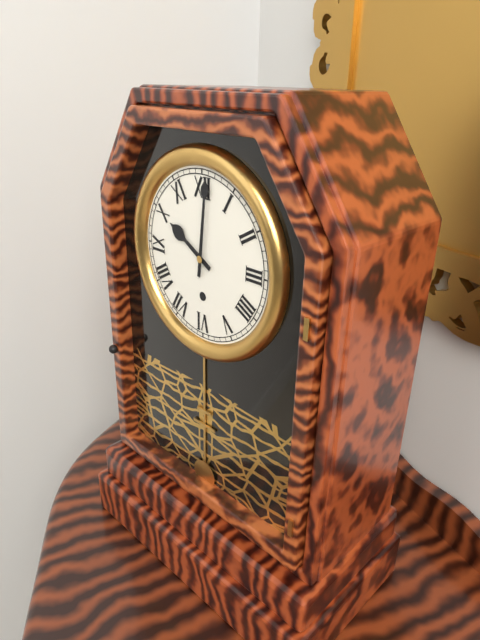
{"hour": 10, "minute": 1}
